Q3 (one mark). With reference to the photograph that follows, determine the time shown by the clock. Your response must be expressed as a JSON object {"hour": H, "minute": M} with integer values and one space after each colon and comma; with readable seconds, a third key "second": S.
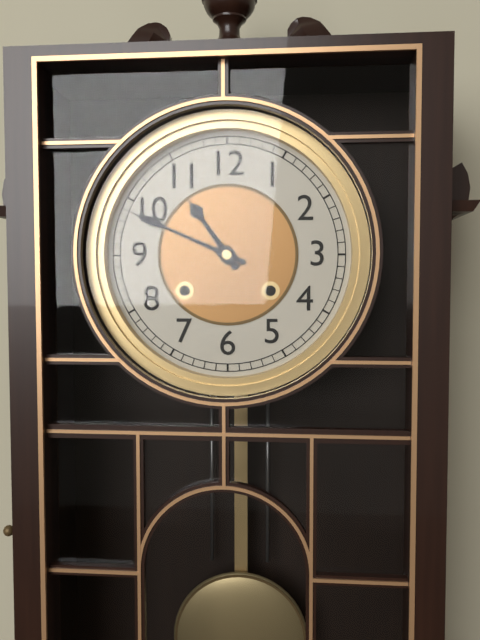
{"hour": 10, "minute": 49}
